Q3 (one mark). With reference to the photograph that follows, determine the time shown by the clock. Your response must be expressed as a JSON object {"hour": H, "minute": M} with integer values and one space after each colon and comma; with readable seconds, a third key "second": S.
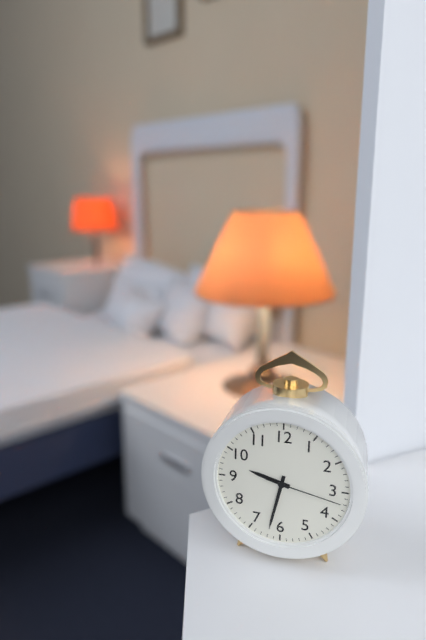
{"hour": 9, "minute": 32, "second": 17}
